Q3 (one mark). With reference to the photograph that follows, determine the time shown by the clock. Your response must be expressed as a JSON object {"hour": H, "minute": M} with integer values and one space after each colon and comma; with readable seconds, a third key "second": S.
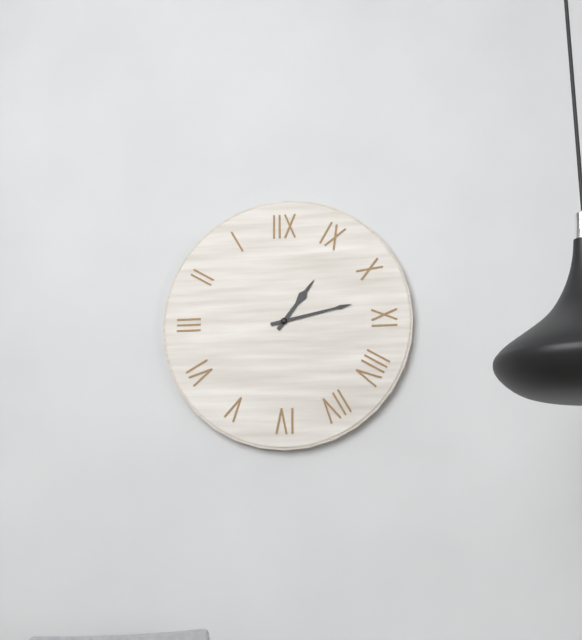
{"hour": 1, "minute": 13}
